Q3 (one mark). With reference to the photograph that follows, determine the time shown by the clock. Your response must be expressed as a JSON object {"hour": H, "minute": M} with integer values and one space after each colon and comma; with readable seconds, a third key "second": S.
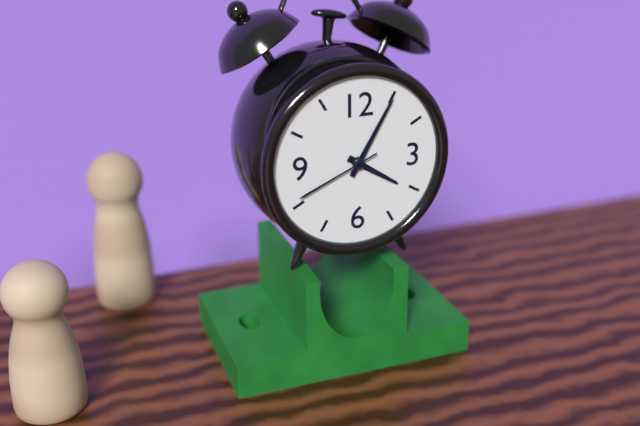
{"hour": 4, "minute": 5, "second": 41}
